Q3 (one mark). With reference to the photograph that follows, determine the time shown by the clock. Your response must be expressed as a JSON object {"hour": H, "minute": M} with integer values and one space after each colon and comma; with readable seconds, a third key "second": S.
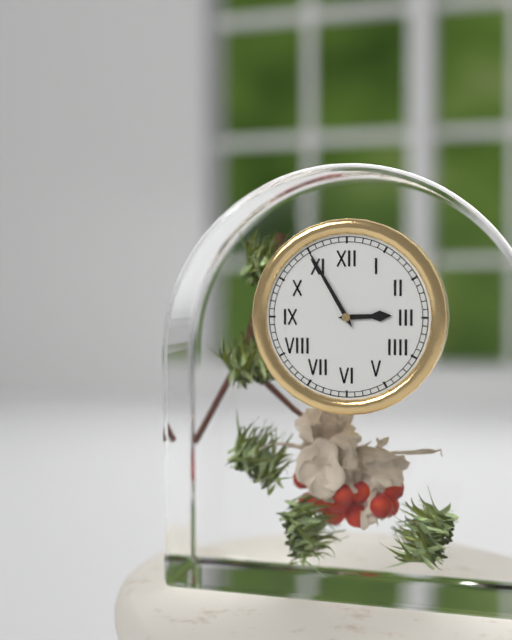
{"hour": 2, "minute": 55}
